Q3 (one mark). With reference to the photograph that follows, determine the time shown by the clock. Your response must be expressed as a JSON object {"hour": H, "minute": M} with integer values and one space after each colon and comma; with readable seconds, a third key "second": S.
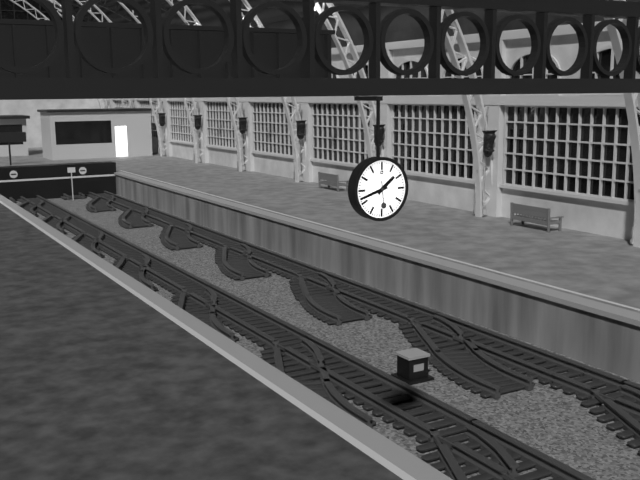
{"hour": 1, "minute": 42}
